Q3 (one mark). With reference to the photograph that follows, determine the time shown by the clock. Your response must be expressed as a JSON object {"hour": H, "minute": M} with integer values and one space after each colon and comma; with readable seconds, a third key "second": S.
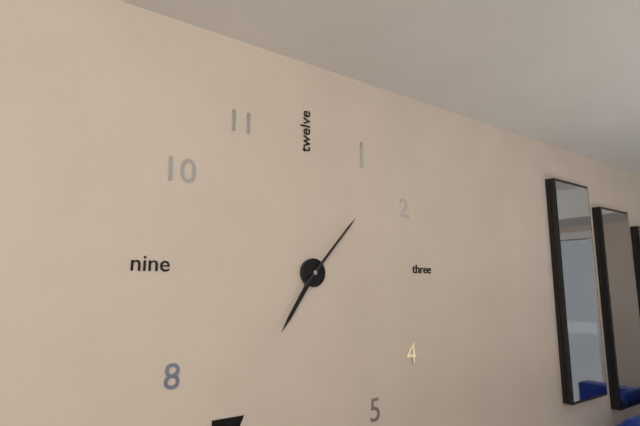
{"hour": 7, "minute": 7}
